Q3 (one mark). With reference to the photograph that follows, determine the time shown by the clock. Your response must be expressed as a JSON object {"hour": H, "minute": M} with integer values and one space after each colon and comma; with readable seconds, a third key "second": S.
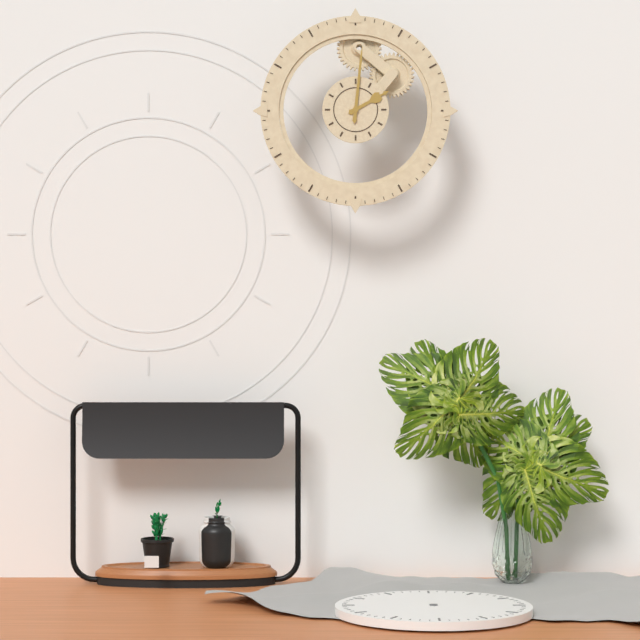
{"hour": 2, "minute": 1}
